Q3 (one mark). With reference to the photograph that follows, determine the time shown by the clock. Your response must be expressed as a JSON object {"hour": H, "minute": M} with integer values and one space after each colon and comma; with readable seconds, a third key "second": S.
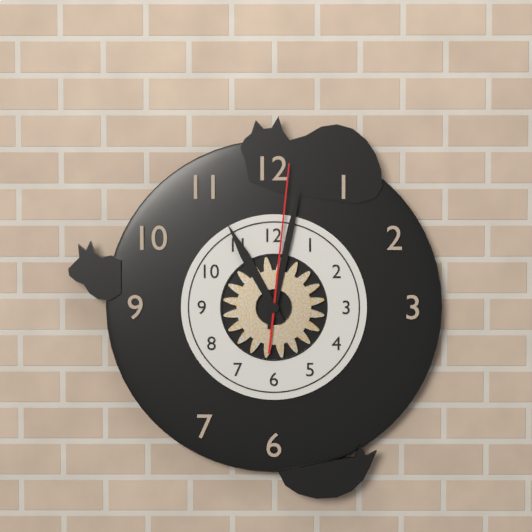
{"hour": 11, "minute": 2, "second": 1}
